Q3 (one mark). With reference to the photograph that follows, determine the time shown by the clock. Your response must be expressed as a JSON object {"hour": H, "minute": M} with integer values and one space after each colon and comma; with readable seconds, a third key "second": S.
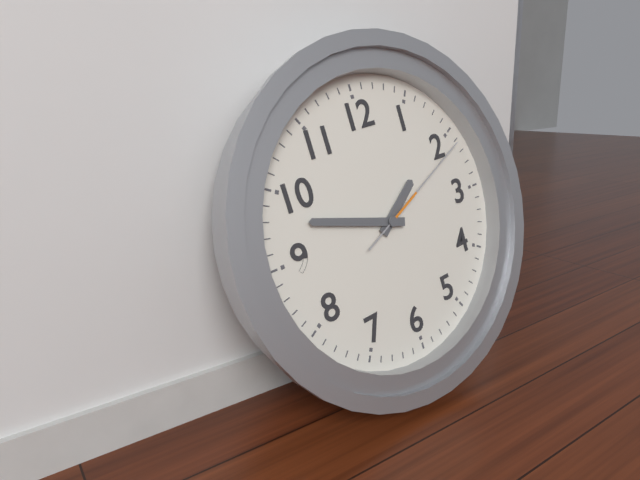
{"hour": 1, "minute": 48, "second": 11}
